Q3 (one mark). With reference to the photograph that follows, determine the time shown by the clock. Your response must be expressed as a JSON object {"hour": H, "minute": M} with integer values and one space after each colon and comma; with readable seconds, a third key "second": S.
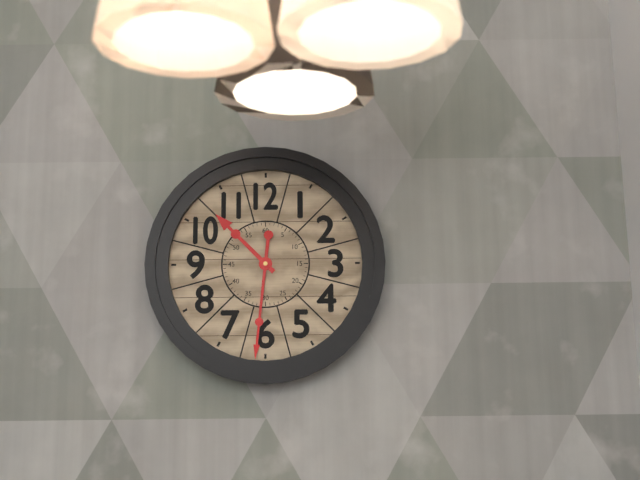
{"hour": 10, "minute": 31}
